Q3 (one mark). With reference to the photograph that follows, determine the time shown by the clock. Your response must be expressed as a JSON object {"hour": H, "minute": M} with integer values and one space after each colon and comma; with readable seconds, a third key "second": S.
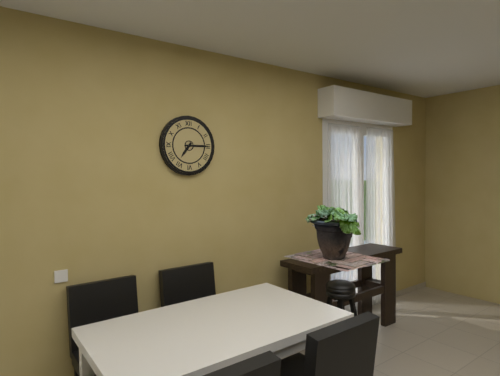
{"hour": 7, "minute": 15}
